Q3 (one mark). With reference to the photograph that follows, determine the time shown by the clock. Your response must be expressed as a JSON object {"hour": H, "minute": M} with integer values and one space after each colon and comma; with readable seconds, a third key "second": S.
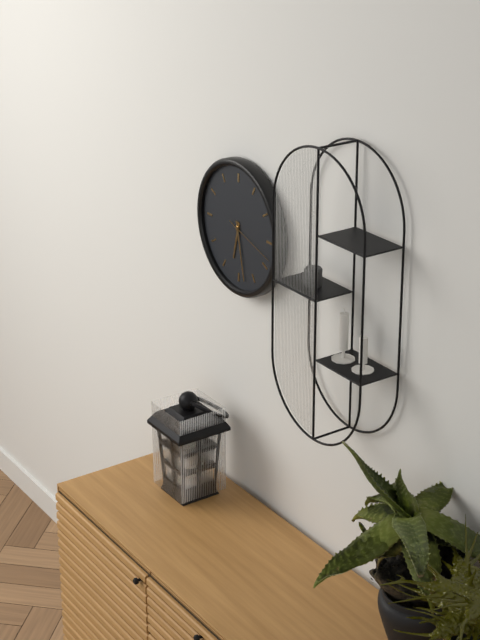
{"hour": 6, "minute": 28, "second": 18}
